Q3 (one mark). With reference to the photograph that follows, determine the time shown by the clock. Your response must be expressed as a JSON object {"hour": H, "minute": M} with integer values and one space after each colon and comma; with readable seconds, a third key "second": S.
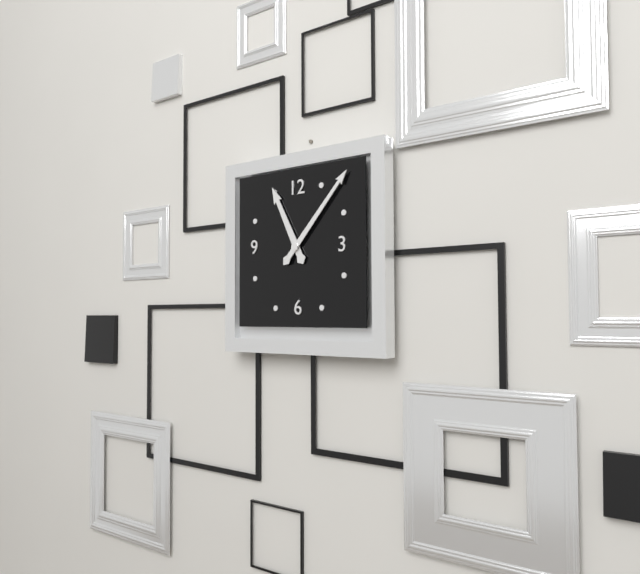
{"hour": 11, "minute": 7}
